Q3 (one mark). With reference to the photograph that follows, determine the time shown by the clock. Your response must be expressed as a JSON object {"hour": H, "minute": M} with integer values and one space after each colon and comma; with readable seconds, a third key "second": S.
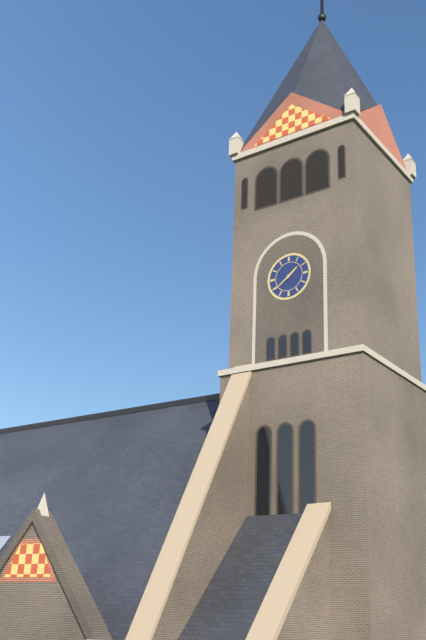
{"hour": 1, "minute": 39}
